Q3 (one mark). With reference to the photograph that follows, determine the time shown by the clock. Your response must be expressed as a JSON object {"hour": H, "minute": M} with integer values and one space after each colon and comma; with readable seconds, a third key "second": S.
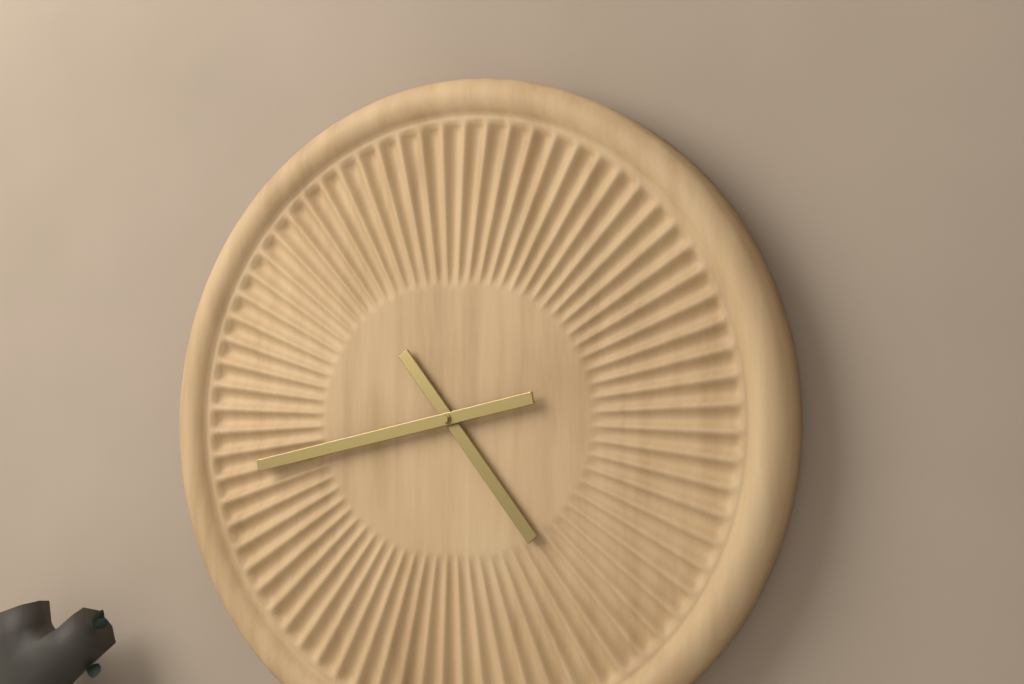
{"hour": 4, "minute": 43}
